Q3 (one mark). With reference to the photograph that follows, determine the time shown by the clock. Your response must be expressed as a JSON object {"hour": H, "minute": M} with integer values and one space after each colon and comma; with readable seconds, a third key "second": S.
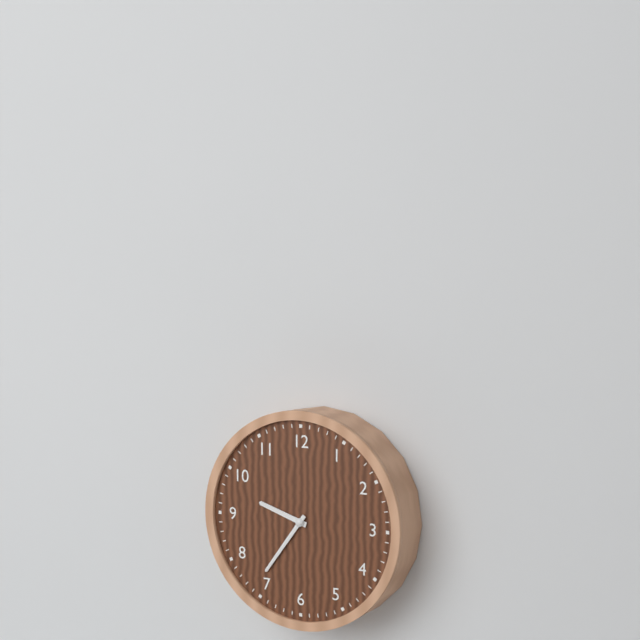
{"hour": 9, "minute": 36}
